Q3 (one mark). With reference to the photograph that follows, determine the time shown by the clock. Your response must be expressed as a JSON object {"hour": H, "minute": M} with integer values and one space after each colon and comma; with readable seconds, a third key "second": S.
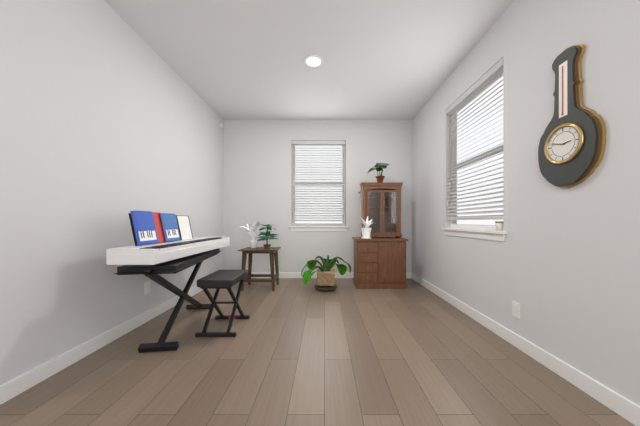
{"hour": 2, "minute": 48}
